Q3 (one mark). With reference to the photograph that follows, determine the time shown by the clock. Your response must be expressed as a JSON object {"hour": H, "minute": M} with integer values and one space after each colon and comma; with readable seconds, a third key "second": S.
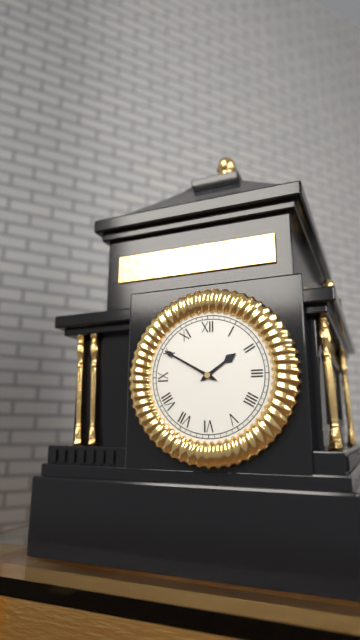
{"hour": 1, "minute": 50}
